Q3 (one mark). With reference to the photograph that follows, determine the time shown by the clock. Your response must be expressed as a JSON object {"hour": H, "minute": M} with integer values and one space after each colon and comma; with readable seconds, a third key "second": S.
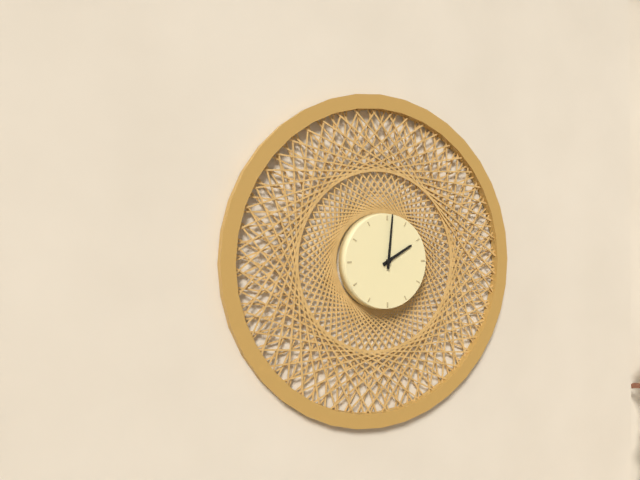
{"hour": 2, "minute": 1}
